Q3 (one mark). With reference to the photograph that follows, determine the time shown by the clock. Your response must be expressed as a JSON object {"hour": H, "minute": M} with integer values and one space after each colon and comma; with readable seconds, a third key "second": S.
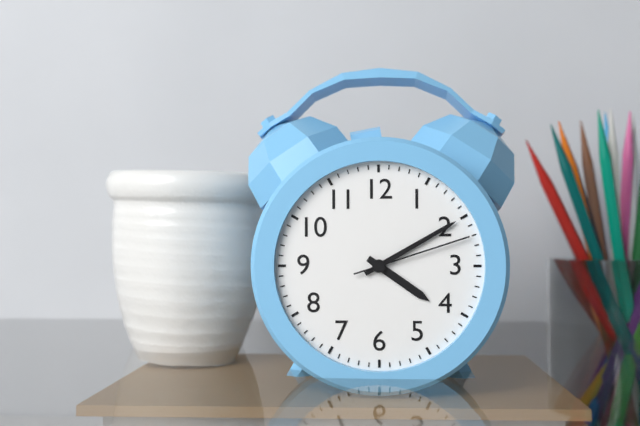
{"hour": 4, "minute": 10, "second": 12}
